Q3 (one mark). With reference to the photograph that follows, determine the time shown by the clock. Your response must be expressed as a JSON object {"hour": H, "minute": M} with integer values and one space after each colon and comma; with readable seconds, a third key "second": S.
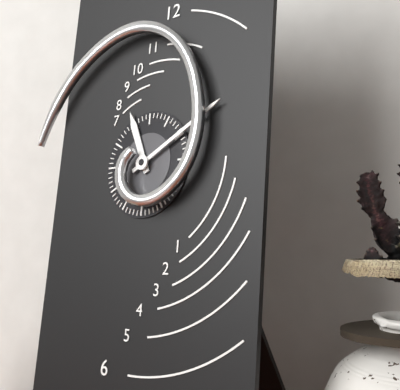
{"hour": 11, "minute": 10}
